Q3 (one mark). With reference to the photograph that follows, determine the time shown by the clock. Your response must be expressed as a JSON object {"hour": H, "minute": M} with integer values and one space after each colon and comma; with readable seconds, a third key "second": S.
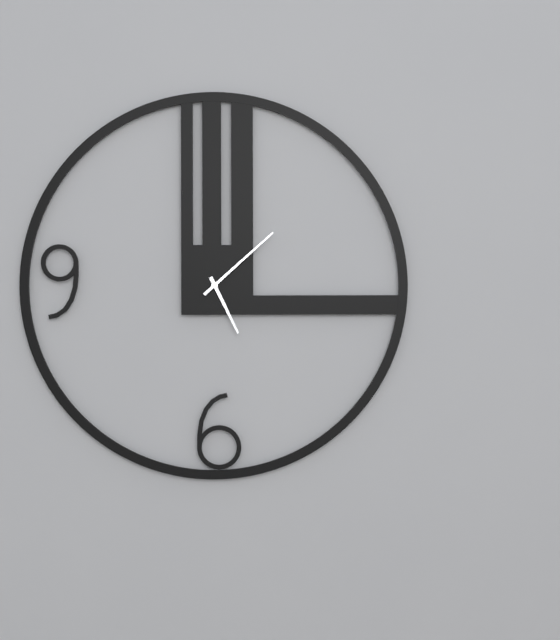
{"hour": 5, "minute": 8}
